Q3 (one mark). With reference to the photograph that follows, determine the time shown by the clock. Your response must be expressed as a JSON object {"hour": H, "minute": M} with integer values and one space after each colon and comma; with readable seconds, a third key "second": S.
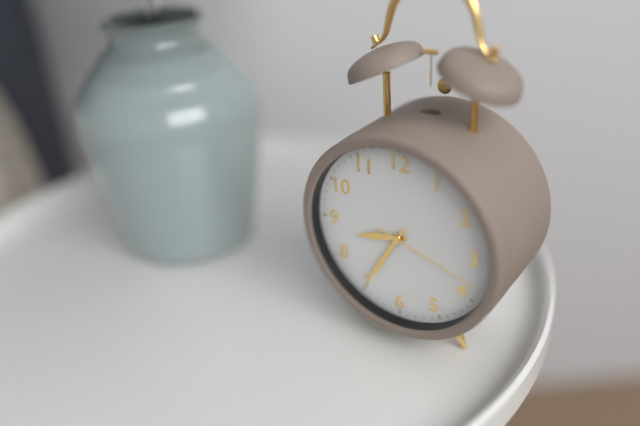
{"hour": 8, "minute": 35, "second": 18}
